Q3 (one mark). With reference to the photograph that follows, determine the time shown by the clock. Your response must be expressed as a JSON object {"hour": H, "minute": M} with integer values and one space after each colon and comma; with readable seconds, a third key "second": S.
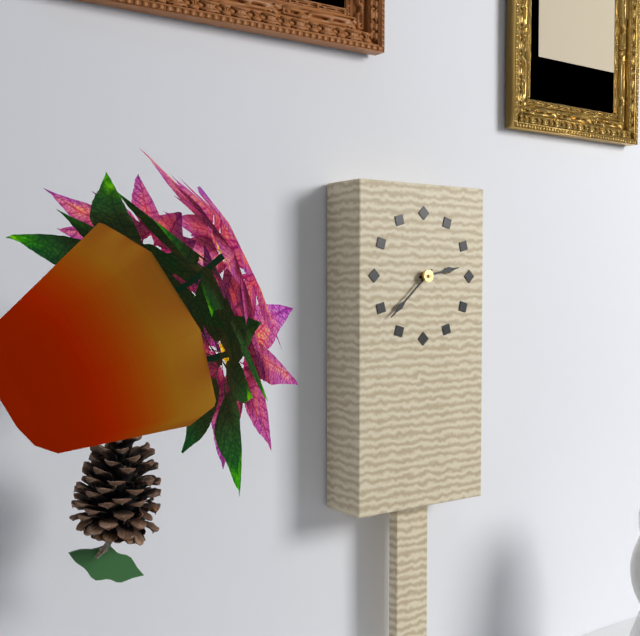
{"hour": 2, "minute": 38}
